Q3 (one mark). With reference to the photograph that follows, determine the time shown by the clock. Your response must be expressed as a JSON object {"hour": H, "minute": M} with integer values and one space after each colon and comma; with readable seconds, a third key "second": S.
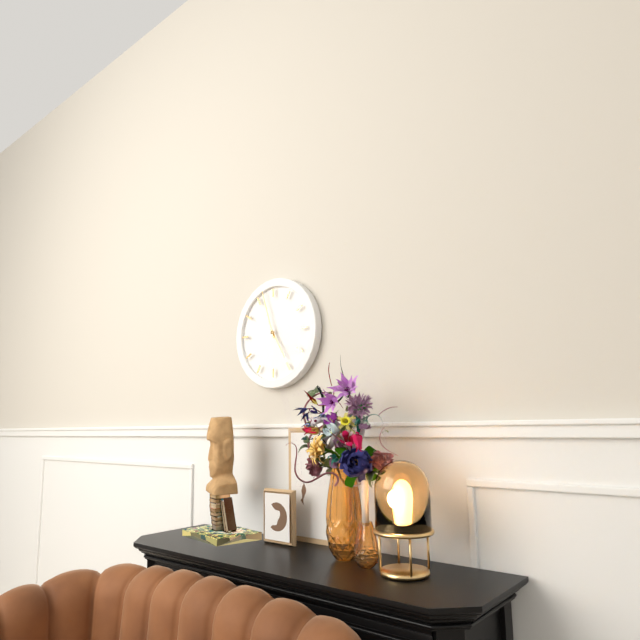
{"hour": 4, "minute": 57}
